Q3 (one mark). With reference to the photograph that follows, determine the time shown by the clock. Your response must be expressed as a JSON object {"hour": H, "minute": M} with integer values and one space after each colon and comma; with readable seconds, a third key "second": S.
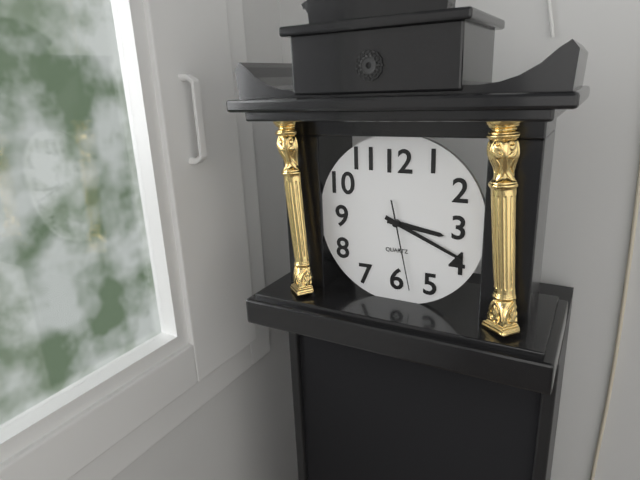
{"hour": 3, "minute": 19, "second": 28}
